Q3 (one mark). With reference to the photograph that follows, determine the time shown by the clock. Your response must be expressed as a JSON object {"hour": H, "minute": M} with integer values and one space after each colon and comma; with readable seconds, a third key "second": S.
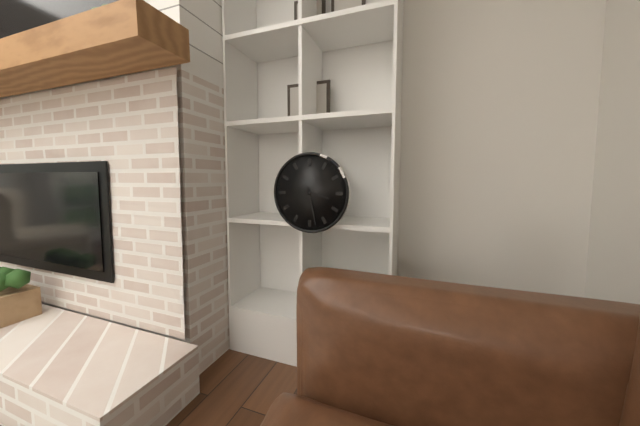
{"hour": 3, "minute": 28}
